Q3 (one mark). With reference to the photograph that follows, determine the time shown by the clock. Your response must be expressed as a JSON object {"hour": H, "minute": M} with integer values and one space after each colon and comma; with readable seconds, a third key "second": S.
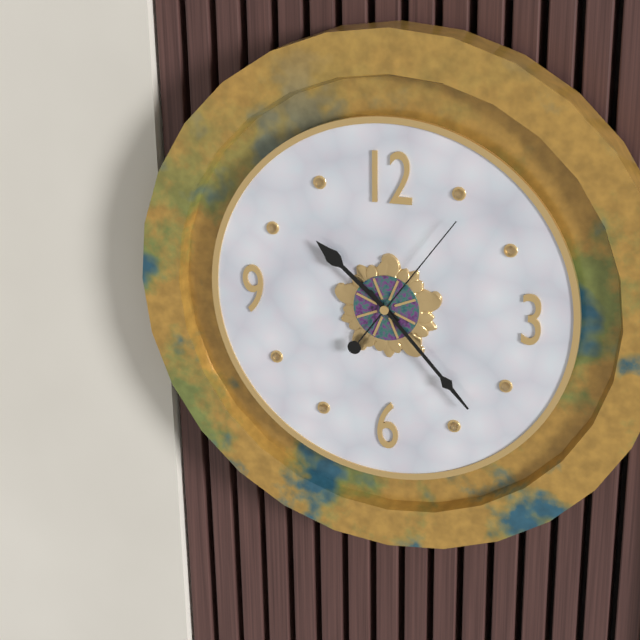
{"hour": 10, "minute": 23, "second": 6}
